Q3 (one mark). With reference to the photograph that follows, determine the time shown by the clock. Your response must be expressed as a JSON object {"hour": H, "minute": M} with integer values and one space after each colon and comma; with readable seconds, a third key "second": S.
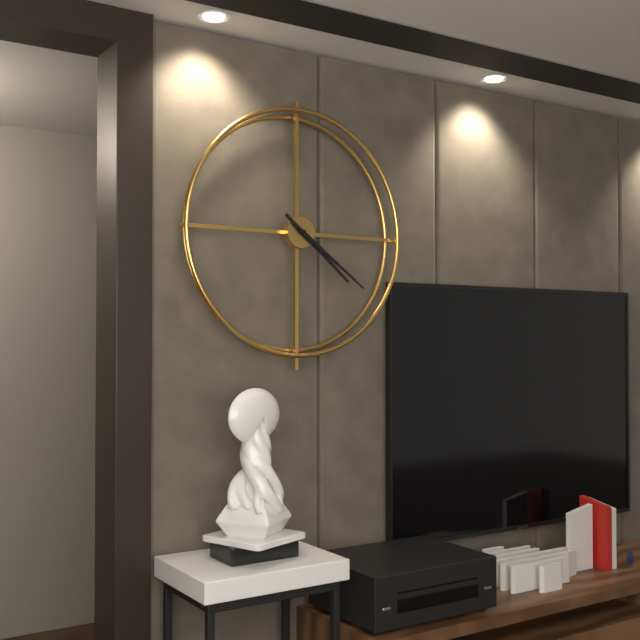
{"hour": 4, "minute": 21}
